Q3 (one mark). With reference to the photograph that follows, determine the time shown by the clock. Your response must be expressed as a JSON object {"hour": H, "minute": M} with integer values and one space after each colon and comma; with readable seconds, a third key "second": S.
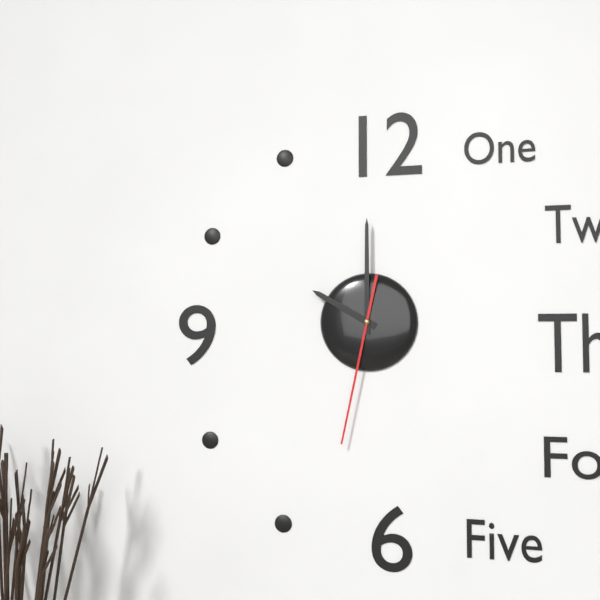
{"hour": 10, "minute": 0, "second": 32}
